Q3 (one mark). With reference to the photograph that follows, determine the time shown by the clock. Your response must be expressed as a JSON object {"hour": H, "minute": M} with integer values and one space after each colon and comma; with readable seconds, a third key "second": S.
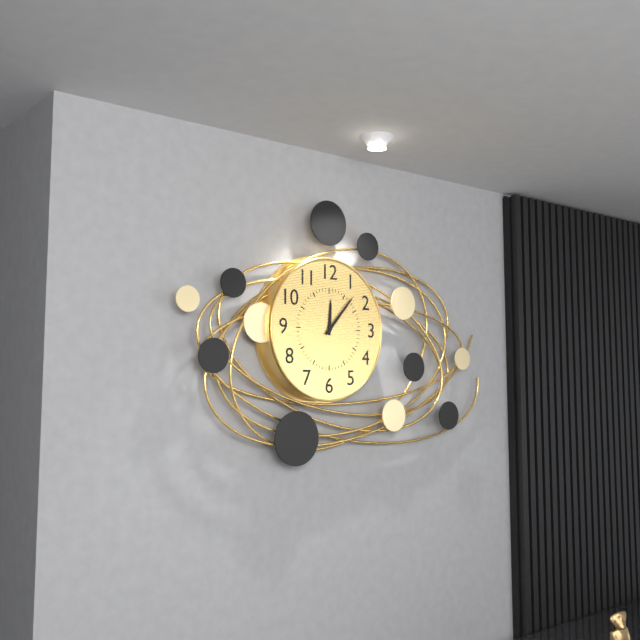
{"hour": 12, "minute": 7}
